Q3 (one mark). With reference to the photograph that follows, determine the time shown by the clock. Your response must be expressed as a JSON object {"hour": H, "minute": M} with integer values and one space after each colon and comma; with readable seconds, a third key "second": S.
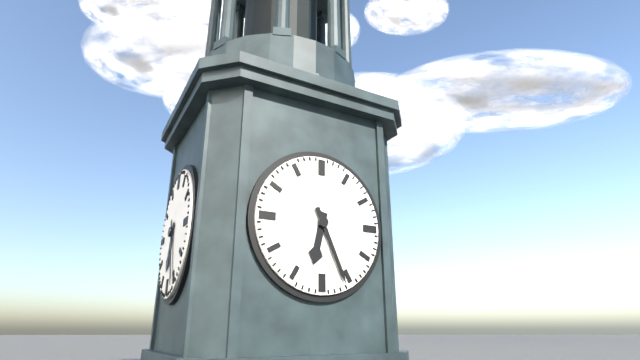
{"hour": 6, "minute": 26}
